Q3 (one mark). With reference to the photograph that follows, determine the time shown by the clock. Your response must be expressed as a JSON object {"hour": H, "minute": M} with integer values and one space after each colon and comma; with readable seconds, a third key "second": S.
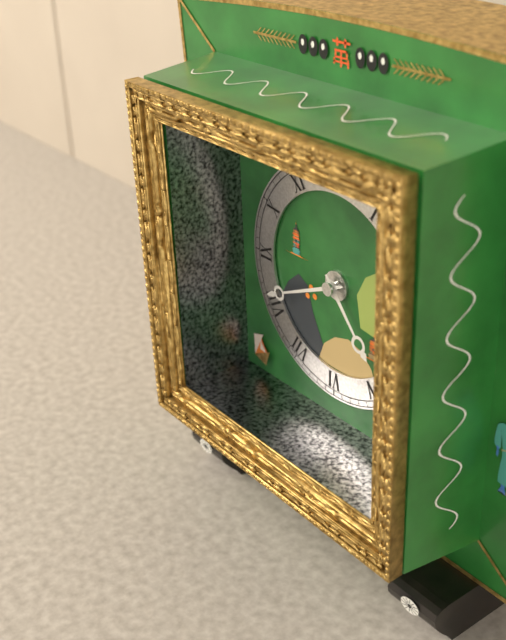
{"hour": 4, "minute": 41}
